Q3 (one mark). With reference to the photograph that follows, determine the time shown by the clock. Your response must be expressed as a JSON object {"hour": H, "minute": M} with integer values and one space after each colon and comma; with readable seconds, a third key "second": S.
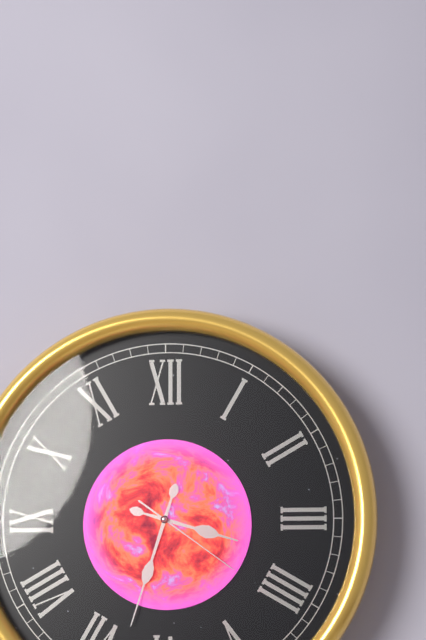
{"hour": 3, "minute": 33, "second": 21}
